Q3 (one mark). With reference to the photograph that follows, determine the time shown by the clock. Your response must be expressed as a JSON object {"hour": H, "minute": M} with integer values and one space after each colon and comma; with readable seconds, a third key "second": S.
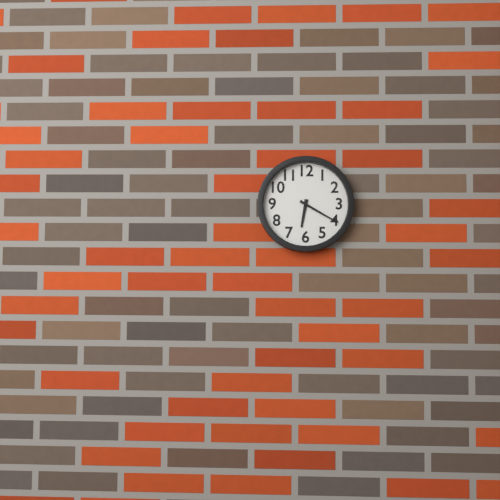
{"hour": 6, "minute": 20}
